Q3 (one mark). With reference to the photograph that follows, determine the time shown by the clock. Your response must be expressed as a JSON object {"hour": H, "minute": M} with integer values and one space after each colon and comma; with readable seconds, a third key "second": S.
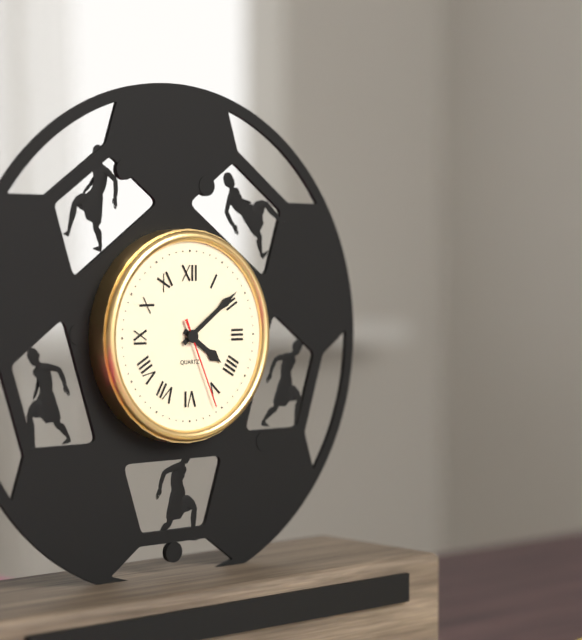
{"hour": 4, "minute": 9, "second": 26}
